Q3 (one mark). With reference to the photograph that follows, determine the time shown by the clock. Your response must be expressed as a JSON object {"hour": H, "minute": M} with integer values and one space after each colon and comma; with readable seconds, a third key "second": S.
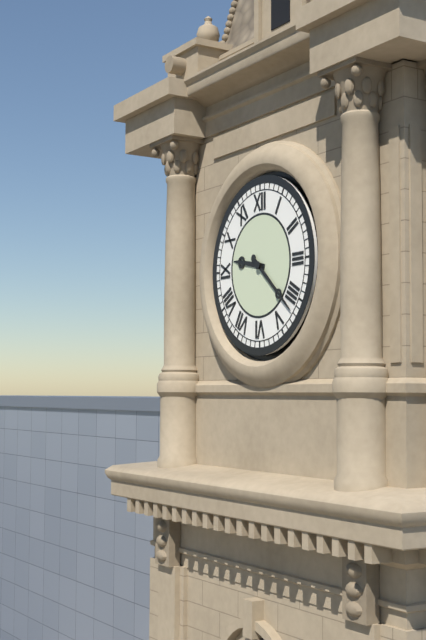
{"hour": 9, "minute": 22}
